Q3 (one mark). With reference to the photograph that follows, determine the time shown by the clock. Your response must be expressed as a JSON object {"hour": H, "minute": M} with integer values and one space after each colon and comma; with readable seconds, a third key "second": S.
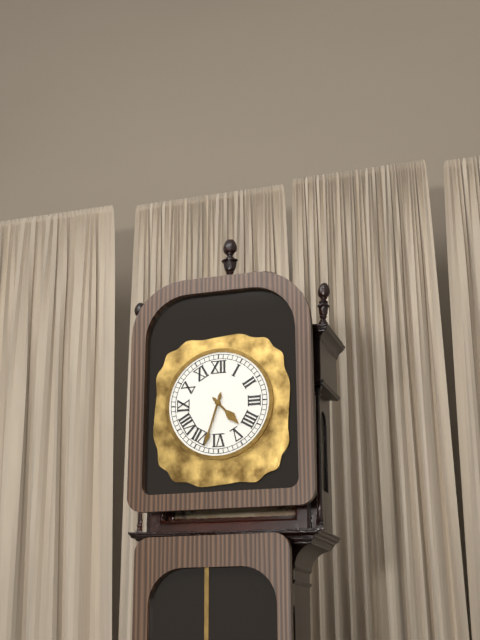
{"hour": 4, "minute": 33}
